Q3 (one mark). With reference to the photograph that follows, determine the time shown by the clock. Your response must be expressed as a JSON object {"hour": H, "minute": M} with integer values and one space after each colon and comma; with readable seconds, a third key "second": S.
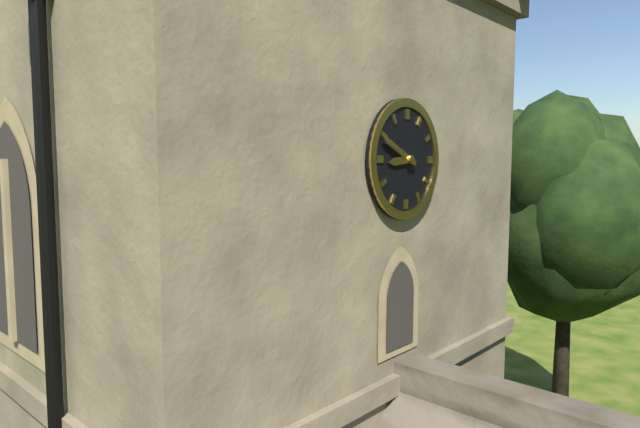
{"hour": 8, "minute": 49}
